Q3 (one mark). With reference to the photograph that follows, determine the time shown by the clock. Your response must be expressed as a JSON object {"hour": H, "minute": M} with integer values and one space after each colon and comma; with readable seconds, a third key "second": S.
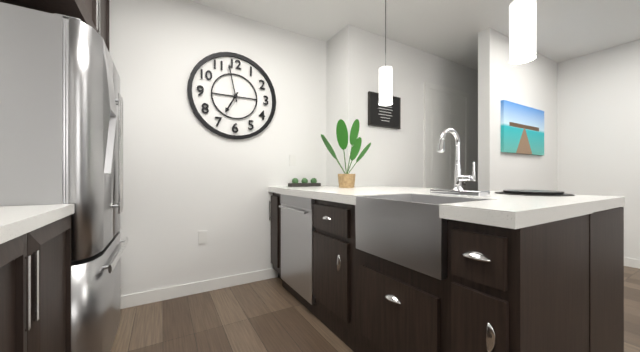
{"hour": 6, "minute": 58}
